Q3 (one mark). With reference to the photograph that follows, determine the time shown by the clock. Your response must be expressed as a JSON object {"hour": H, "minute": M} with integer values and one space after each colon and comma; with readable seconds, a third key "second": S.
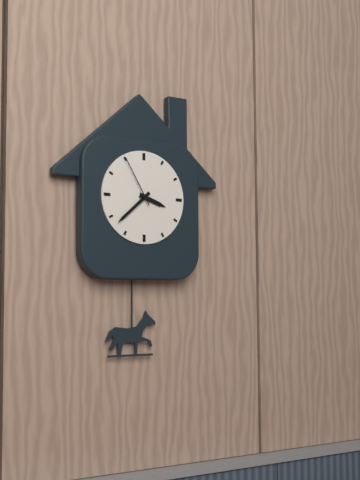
{"hour": 3, "minute": 38, "second": 55}
